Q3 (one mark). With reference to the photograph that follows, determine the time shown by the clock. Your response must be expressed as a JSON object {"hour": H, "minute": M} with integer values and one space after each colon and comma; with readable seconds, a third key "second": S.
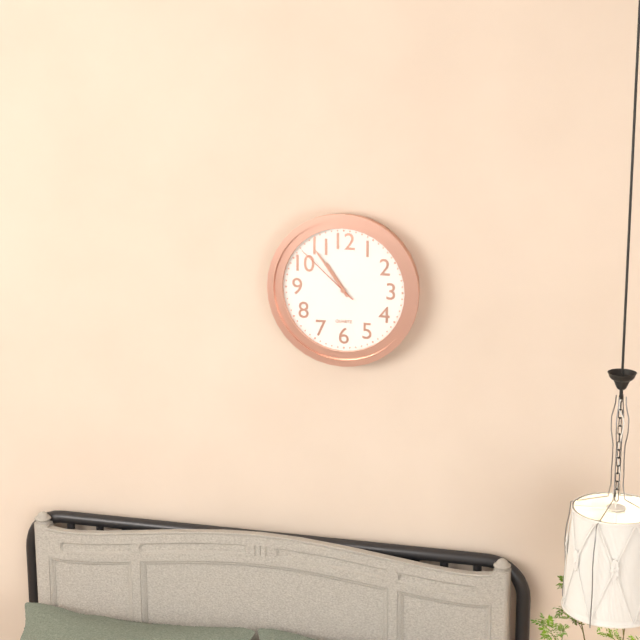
{"hour": 10, "minute": 54, "second": 52}
